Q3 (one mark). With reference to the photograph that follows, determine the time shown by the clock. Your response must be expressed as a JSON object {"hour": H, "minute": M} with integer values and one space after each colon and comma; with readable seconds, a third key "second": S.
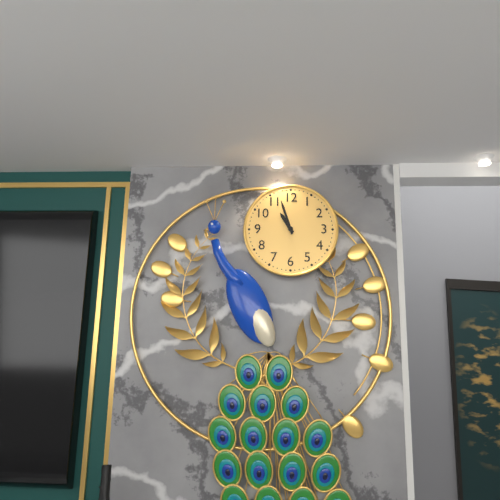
{"hour": 10, "minute": 57}
